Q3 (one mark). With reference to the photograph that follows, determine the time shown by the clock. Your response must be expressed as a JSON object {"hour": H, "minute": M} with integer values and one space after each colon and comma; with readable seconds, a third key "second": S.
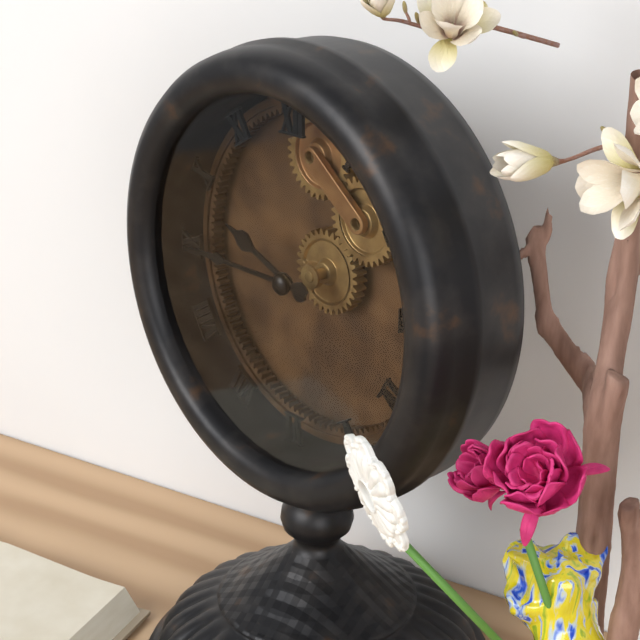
{"hour": 9, "minute": 45}
